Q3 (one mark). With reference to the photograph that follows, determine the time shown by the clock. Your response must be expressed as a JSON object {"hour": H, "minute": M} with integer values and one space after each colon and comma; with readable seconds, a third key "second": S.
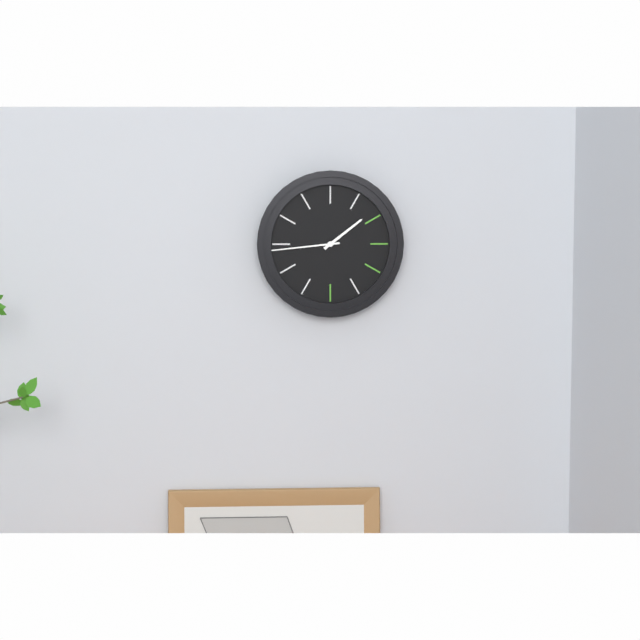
{"hour": 1, "minute": 44}
